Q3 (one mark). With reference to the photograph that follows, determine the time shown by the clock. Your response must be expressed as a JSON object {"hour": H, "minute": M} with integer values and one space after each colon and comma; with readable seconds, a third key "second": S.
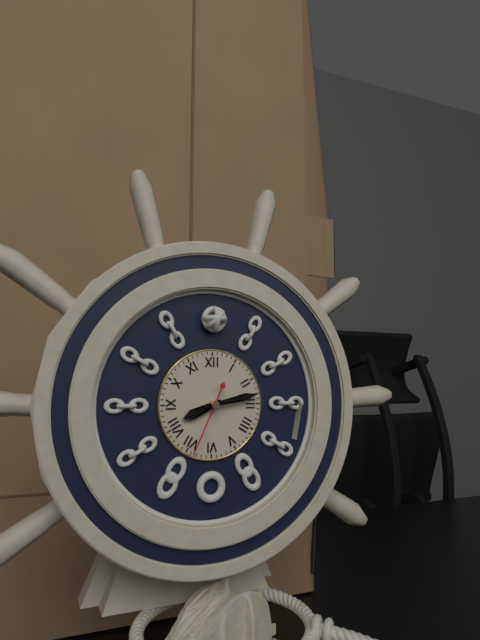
{"hour": 8, "minute": 13, "second": 34}
